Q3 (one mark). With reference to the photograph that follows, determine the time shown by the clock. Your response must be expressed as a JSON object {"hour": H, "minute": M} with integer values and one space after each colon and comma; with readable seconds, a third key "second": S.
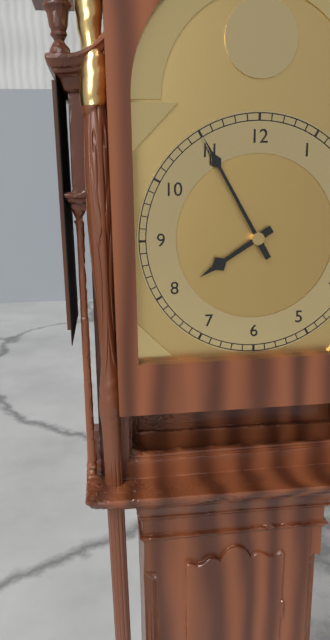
{"hour": 7, "minute": 55}
